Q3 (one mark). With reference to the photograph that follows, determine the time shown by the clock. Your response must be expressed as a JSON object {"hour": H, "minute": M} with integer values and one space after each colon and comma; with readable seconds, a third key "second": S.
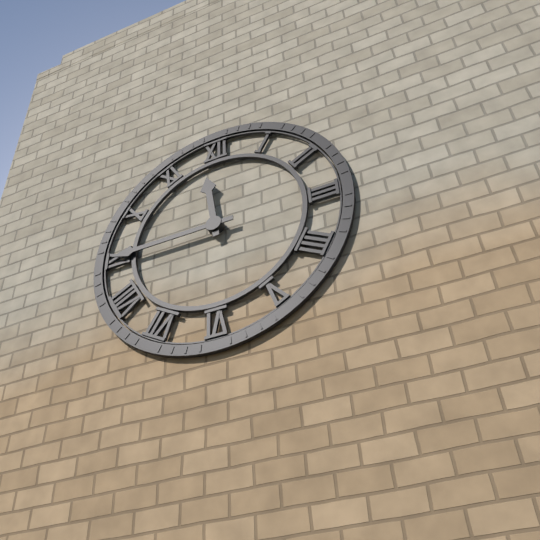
{"hour": 11, "minute": 45}
